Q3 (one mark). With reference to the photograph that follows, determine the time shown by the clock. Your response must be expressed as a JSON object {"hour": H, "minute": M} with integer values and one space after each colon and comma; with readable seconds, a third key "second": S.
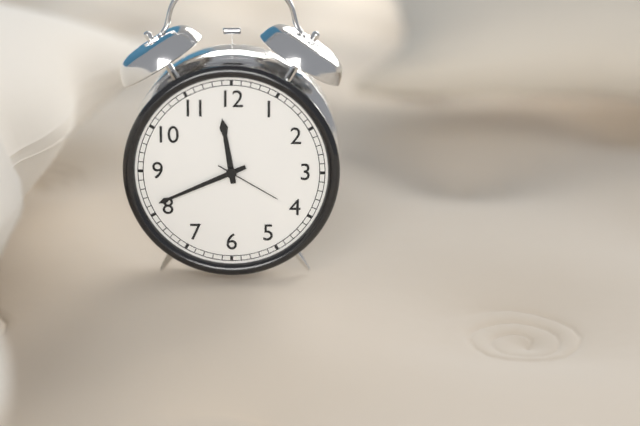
{"hour": 11, "minute": 41, "second": 20}
